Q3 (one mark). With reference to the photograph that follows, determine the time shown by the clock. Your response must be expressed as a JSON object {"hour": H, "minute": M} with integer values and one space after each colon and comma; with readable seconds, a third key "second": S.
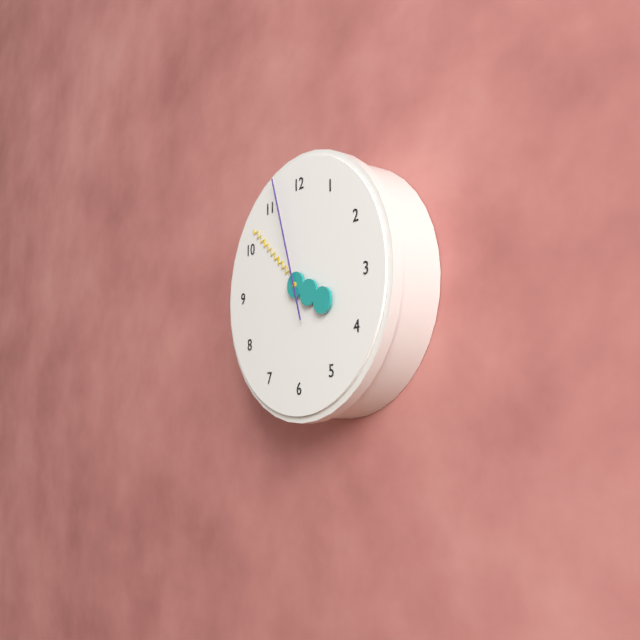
{"hour": 3, "minute": 52, "second": 57}
